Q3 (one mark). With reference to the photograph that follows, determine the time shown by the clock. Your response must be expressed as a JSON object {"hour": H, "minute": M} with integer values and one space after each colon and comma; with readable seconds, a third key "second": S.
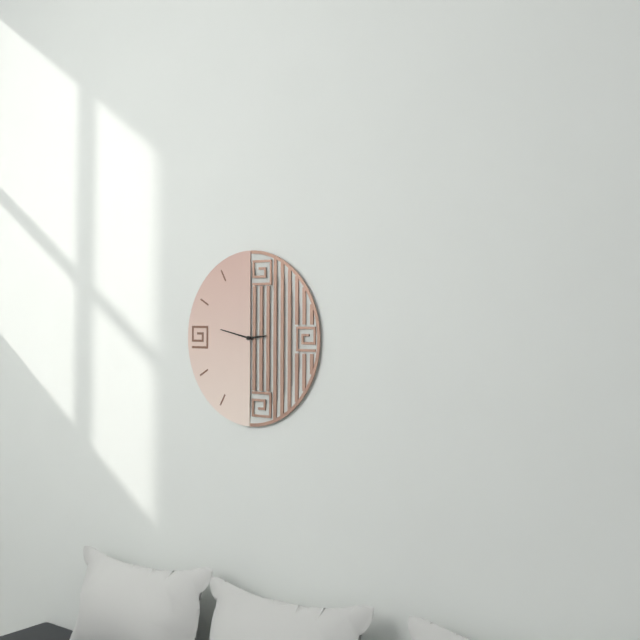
{"hour": 2, "minute": 47}
